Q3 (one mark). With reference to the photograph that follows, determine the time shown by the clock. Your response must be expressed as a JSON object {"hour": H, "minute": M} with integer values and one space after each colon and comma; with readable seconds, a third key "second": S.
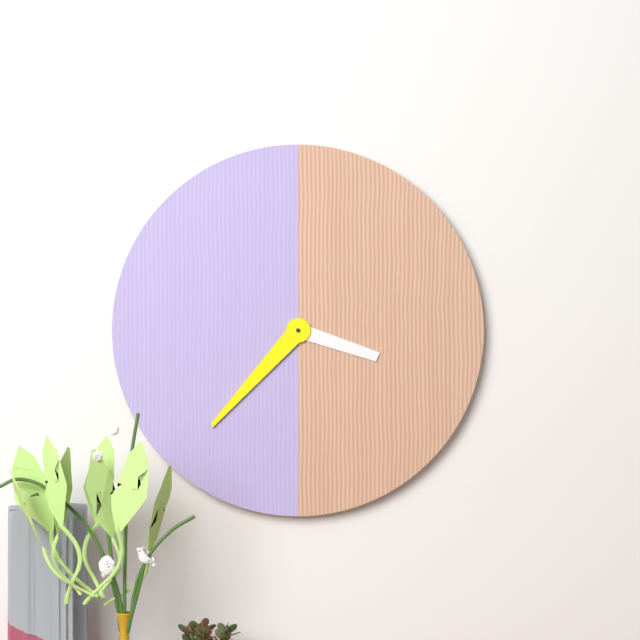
{"hour": 3, "minute": 37}
